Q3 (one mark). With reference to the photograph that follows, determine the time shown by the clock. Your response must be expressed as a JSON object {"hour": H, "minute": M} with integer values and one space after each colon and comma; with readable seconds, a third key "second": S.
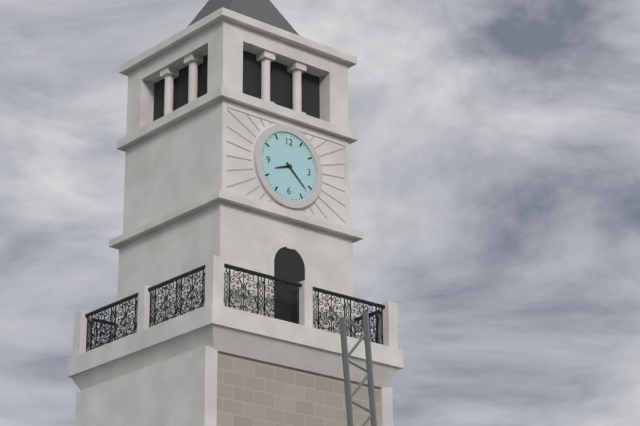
{"hour": 8, "minute": 22}
